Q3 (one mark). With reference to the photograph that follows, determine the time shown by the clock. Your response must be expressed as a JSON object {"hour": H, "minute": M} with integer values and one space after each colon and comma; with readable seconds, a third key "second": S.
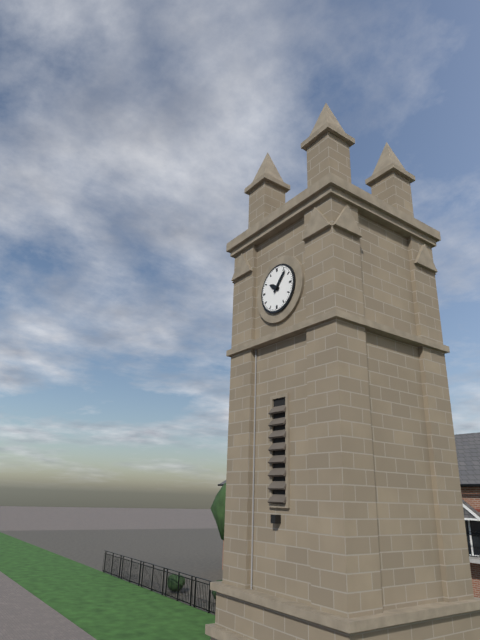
{"hour": 10, "minute": 7}
